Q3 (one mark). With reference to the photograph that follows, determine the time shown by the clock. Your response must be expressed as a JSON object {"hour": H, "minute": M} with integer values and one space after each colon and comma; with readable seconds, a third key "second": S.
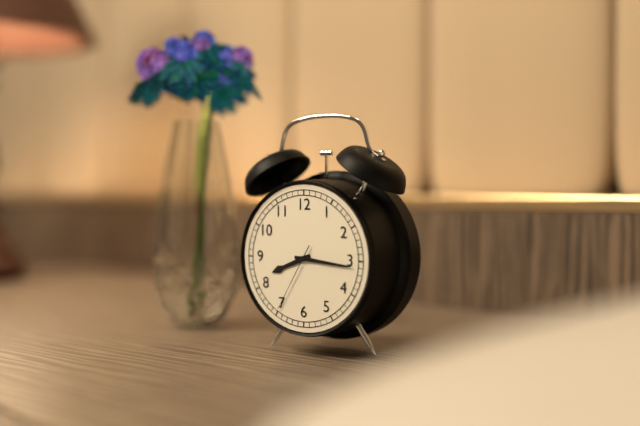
{"hour": 8, "minute": 16, "second": 35}
